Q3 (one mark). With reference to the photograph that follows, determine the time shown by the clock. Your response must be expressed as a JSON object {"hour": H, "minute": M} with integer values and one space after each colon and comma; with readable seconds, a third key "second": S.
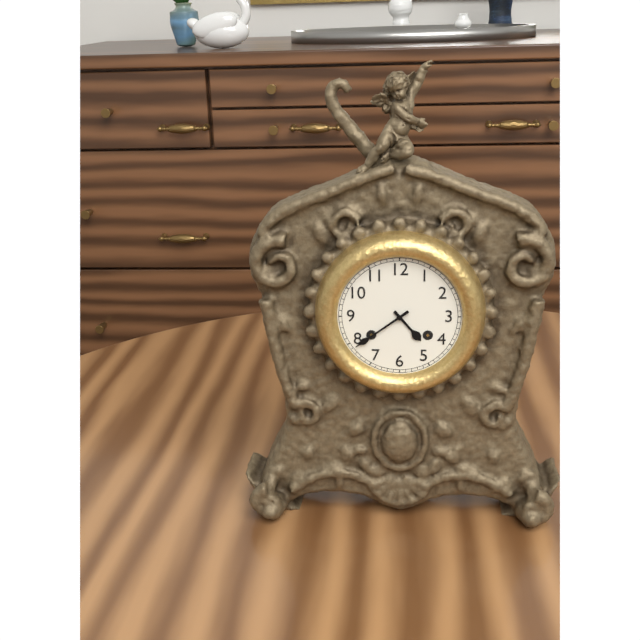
{"hour": 4, "minute": 39}
